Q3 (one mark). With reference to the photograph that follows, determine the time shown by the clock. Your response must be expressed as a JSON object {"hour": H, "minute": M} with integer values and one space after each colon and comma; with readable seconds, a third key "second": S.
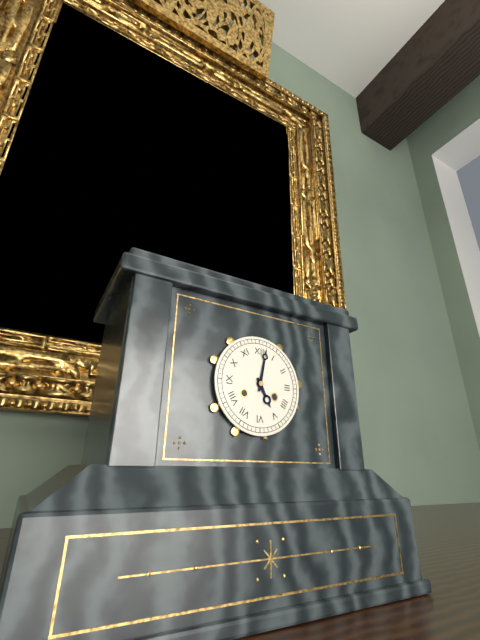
{"hour": 5, "minute": 2}
